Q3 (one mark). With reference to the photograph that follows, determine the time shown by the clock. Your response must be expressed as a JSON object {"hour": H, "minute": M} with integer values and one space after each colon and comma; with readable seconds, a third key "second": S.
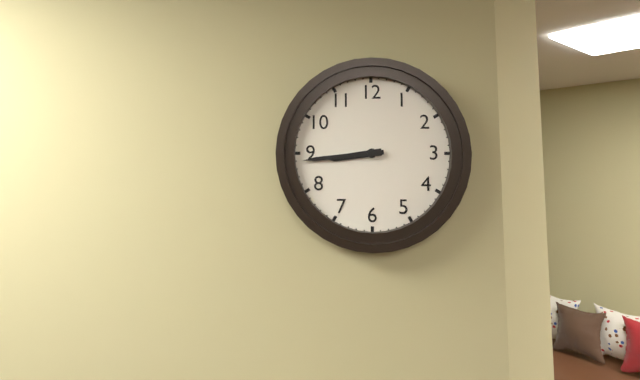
{"hour": 8, "minute": 44}
